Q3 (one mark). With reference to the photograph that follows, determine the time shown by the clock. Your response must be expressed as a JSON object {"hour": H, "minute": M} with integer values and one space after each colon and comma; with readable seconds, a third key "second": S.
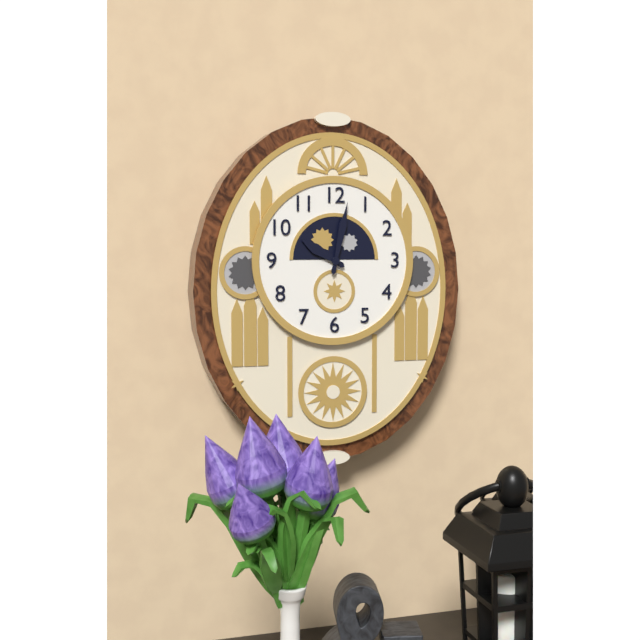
{"hour": 10, "minute": 2}
